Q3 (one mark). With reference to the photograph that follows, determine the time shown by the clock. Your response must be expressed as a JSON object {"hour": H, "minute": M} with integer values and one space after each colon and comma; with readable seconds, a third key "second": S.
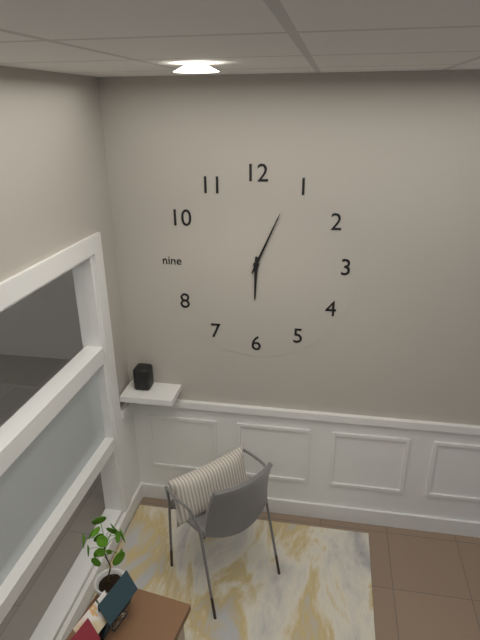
{"hour": 6, "minute": 4}
